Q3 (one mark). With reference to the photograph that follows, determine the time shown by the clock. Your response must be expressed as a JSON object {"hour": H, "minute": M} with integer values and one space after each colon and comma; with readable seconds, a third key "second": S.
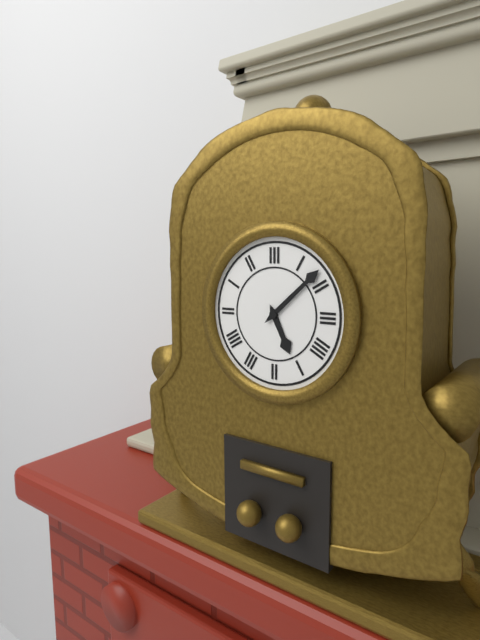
{"hour": 5, "minute": 8}
